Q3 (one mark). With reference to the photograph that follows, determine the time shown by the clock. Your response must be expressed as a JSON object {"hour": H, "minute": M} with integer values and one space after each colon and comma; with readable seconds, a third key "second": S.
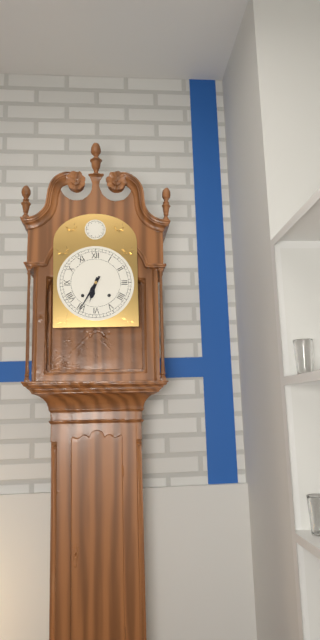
{"hour": 6, "minute": 35}
